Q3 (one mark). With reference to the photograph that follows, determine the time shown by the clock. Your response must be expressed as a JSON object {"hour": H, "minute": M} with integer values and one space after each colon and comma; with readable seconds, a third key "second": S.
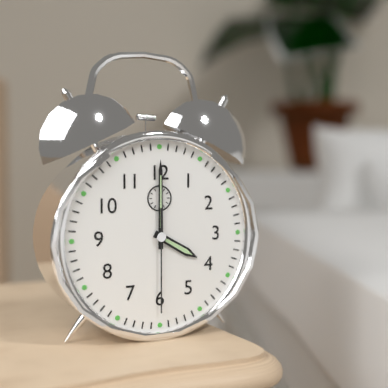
{"hour": 4, "minute": 0, "second": 30}
